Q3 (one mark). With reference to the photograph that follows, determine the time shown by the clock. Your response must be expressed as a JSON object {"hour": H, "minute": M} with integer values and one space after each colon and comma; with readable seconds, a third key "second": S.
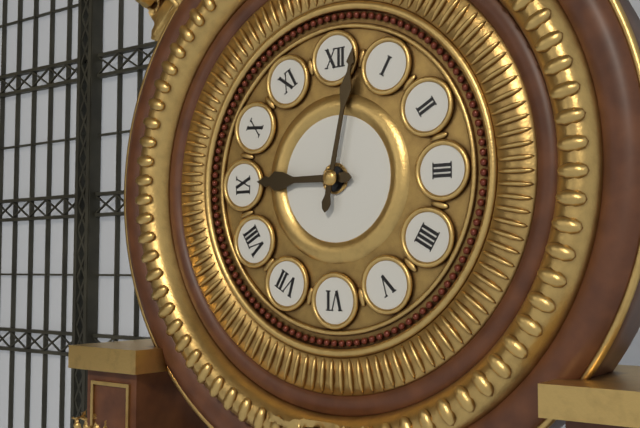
{"hour": 9, "minute": 2}
